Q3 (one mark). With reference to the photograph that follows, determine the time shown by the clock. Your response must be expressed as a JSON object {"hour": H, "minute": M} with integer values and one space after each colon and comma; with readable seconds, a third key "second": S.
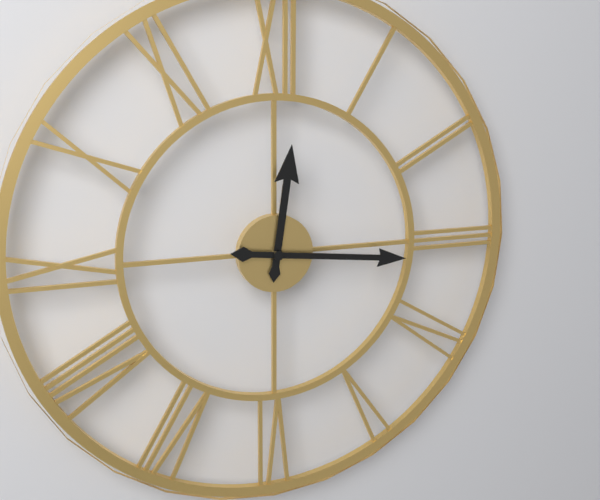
{"hour": 12, "minute": 16}
